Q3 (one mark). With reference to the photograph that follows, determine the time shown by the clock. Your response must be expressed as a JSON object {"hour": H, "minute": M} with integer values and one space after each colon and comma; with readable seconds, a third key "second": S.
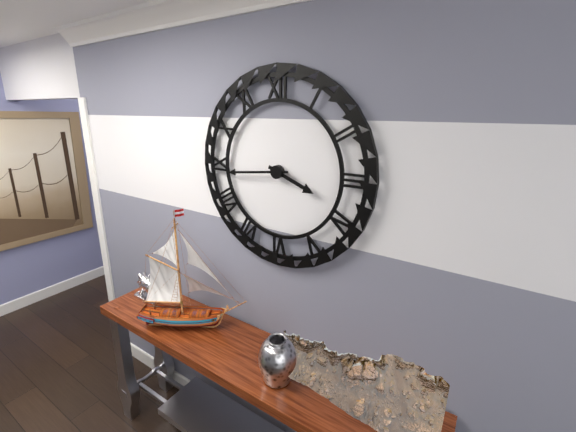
{"hour": 3, "minute": 44}
